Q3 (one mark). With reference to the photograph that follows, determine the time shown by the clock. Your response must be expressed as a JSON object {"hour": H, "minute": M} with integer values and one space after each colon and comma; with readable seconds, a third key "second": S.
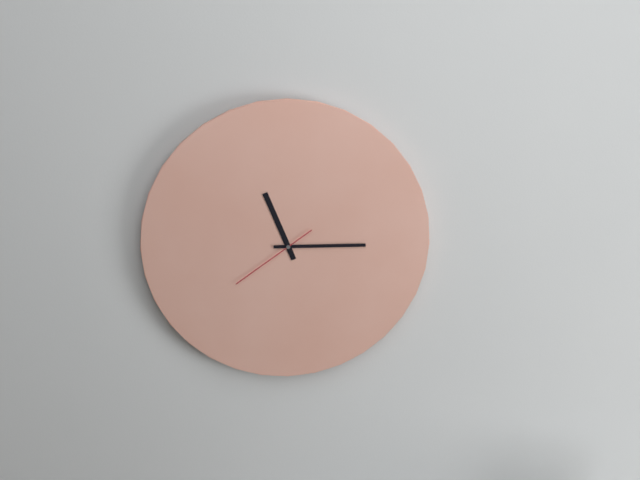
{"hour": 11, "minute": 15, "second": 39}
